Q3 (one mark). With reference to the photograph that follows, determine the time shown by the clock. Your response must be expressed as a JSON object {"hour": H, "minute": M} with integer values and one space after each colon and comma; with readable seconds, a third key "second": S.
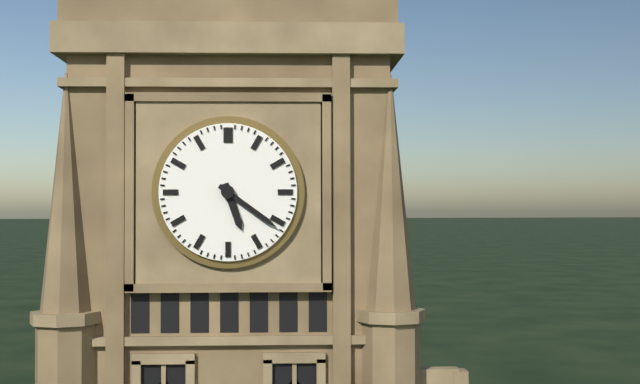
{"hour": 5, "minute": 21}
